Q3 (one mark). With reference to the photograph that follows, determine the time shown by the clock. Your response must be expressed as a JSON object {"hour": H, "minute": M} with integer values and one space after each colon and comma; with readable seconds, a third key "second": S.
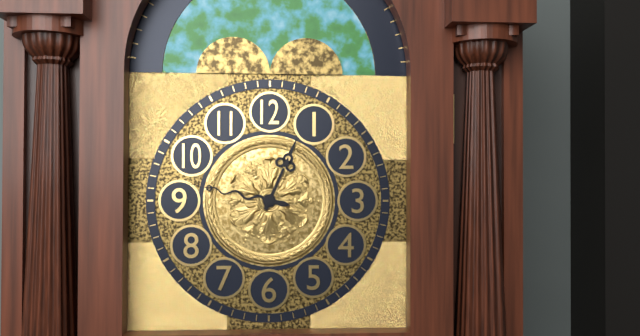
{"hour": 12, "minute": 47}
